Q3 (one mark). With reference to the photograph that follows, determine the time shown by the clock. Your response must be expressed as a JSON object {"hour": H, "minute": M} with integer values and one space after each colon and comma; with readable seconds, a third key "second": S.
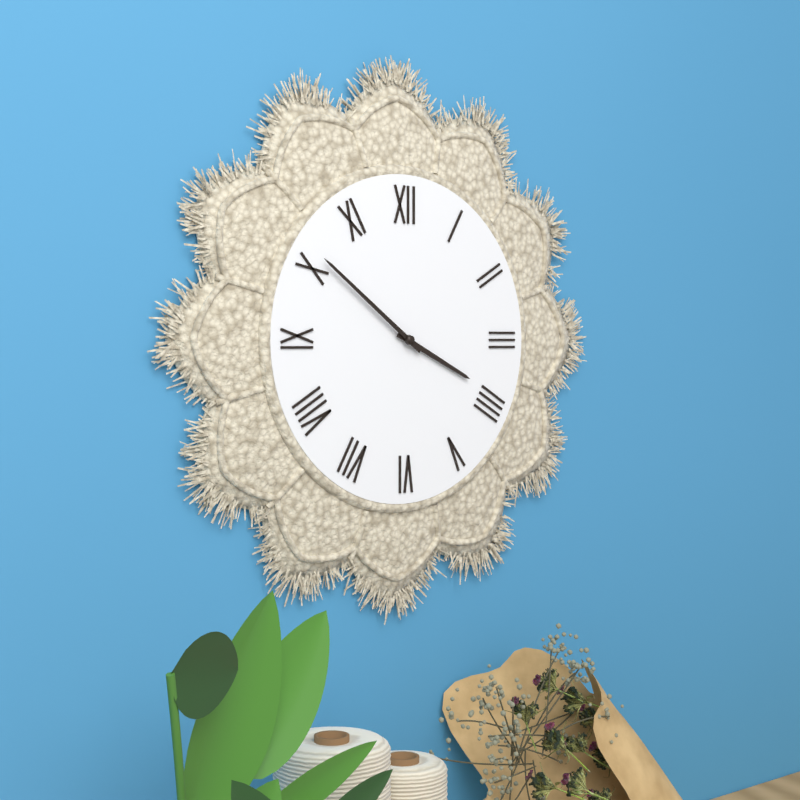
{"hour": 3, "minute": 51}
